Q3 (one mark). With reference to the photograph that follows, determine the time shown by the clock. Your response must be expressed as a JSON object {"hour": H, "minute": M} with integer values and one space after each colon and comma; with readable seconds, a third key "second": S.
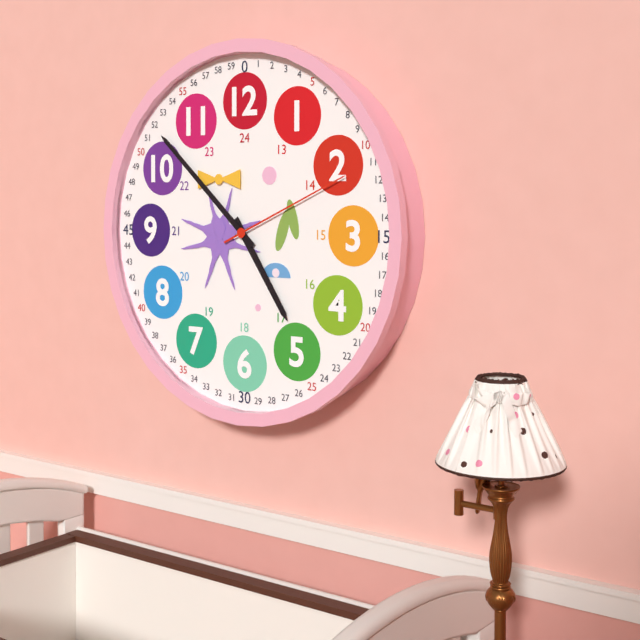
{"hour": 4, "minute": 52, "second": 11}
